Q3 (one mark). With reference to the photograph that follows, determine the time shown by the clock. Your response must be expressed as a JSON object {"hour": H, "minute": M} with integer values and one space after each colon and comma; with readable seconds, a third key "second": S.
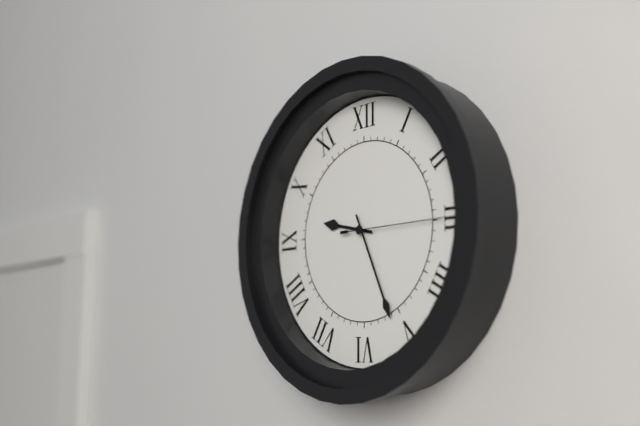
{"hour": 9, "minute": 26, "second": 15}
